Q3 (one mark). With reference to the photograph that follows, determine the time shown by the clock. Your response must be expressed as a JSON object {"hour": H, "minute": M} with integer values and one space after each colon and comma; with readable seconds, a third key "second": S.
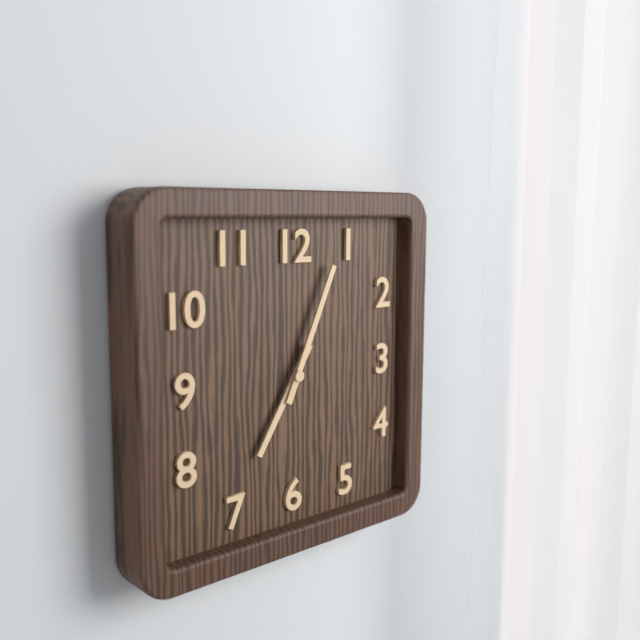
{"hour": 7, "minute": 4}
